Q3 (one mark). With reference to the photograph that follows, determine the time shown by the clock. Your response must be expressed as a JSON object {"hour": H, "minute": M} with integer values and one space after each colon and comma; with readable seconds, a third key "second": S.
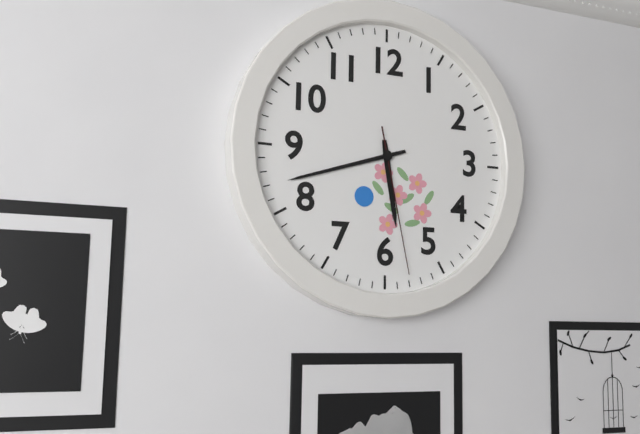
{"hour": 5, "minute": 42, "second": 28}
